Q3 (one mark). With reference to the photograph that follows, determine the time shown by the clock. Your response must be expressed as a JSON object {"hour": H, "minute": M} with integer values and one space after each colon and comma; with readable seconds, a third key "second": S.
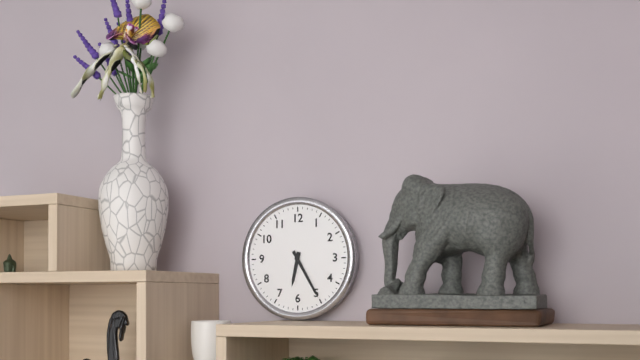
{"hour": 6, "minute": 25}
